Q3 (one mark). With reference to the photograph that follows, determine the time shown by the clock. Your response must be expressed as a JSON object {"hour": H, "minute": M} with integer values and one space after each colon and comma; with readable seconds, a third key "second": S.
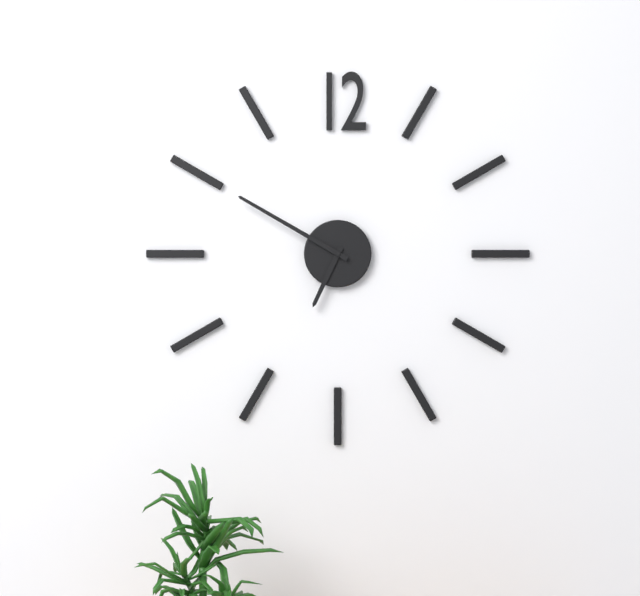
{"hour": 6, "minute": 50}
